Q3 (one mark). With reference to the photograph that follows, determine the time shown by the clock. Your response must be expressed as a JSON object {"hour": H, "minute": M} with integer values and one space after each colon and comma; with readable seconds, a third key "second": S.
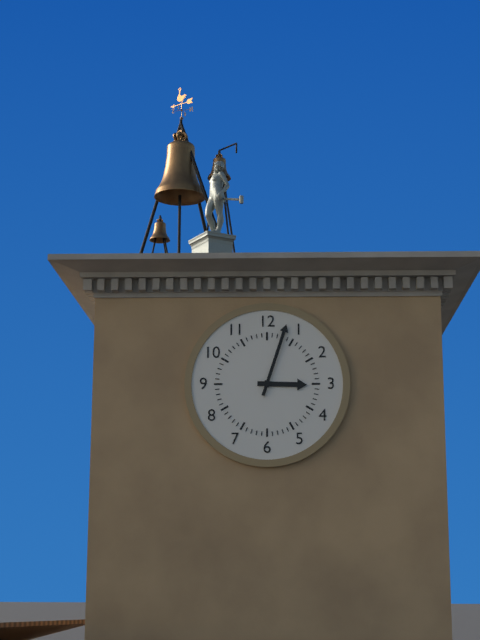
{"hour": 3, "minute": 3}
